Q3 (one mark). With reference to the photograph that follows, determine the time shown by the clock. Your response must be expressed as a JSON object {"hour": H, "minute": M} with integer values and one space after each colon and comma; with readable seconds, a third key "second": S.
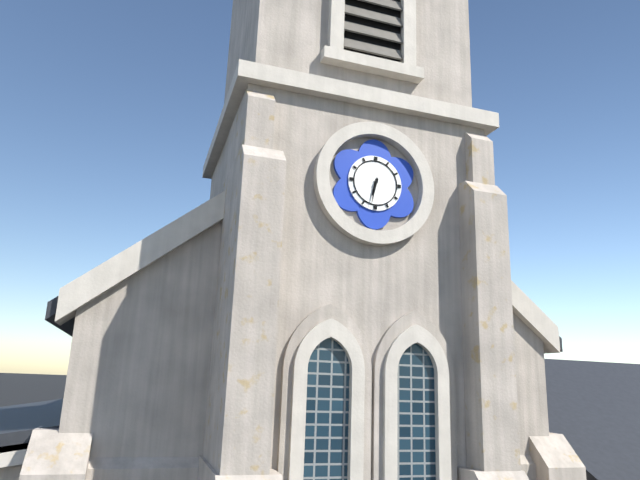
{"hour": 6, "minute": 32}
